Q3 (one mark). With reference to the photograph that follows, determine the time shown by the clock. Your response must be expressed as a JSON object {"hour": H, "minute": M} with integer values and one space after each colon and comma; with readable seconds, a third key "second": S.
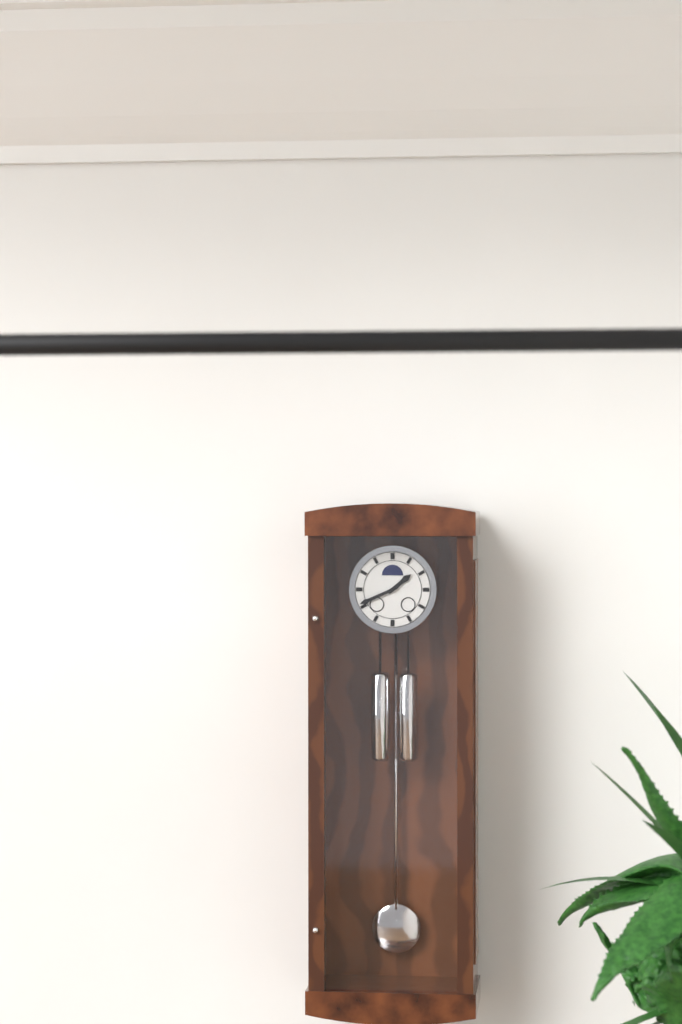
{"hour": 1, "minute": 41}
